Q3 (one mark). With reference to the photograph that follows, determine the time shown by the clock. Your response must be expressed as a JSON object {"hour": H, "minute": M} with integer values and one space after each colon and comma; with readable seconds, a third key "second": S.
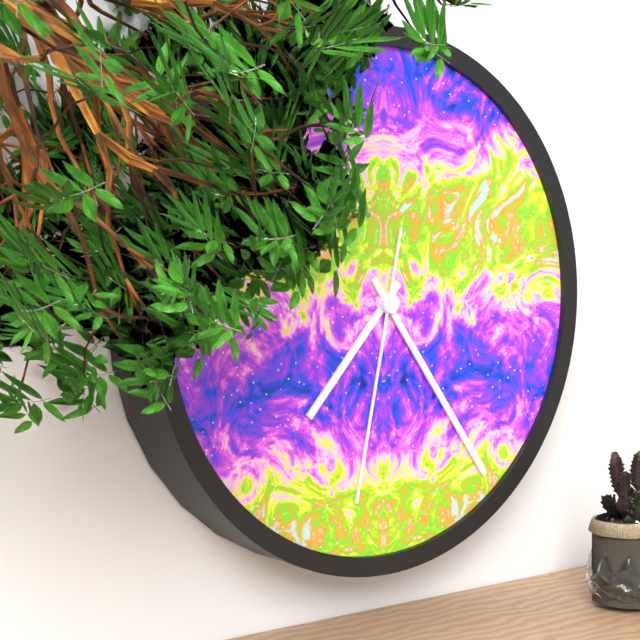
{"hour": 7, "minute": 24, "second": 32}
